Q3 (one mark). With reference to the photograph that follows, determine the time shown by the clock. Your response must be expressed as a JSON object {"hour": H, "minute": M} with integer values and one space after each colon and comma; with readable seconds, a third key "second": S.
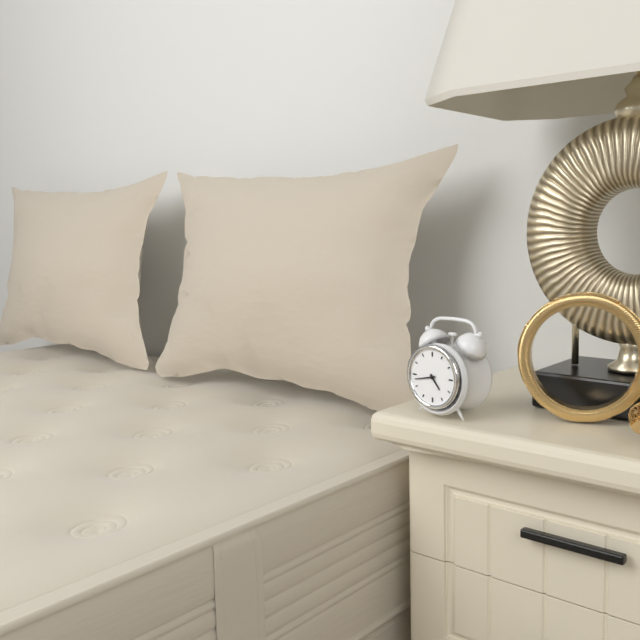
{"hour": 4, "minute": 43}
